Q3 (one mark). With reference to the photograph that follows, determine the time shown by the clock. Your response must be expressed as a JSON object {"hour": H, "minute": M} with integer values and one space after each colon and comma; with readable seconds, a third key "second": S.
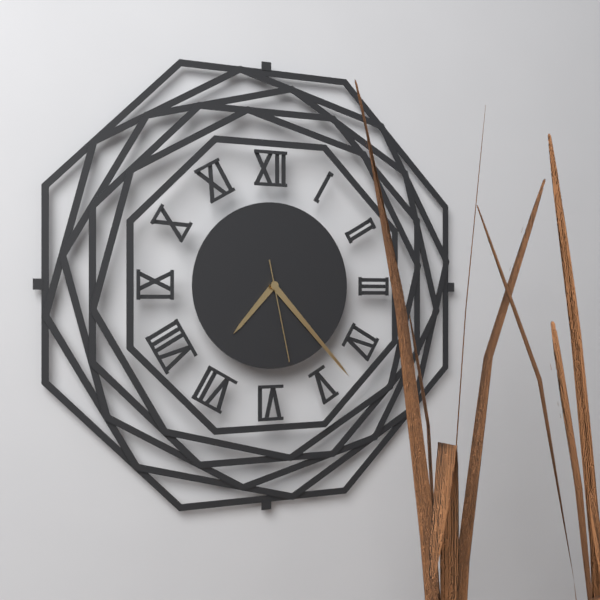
{"hour": 7, "minute": 23, "second": 28}
